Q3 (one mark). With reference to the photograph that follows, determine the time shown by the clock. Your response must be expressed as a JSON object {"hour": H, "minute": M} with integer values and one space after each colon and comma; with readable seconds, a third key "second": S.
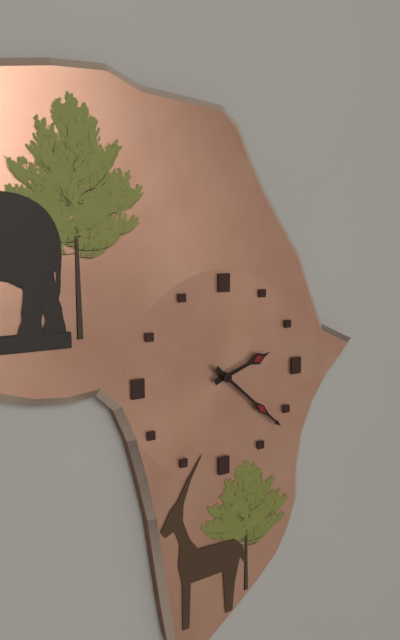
{"hour": 2, "minute": 22}
